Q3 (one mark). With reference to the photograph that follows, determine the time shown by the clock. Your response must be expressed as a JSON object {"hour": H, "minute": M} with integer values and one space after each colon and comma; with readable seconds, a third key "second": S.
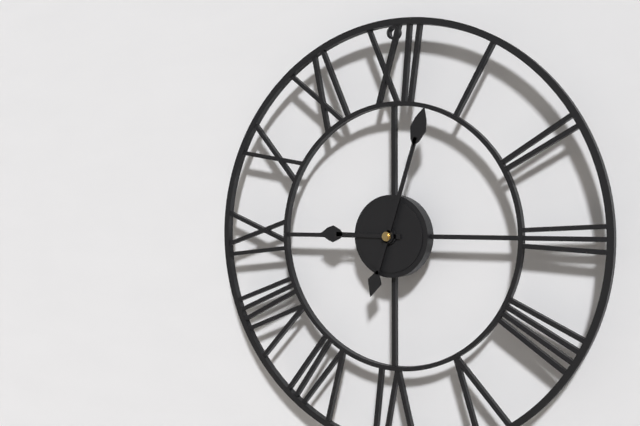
{"hour": 9, "minute": 3}
